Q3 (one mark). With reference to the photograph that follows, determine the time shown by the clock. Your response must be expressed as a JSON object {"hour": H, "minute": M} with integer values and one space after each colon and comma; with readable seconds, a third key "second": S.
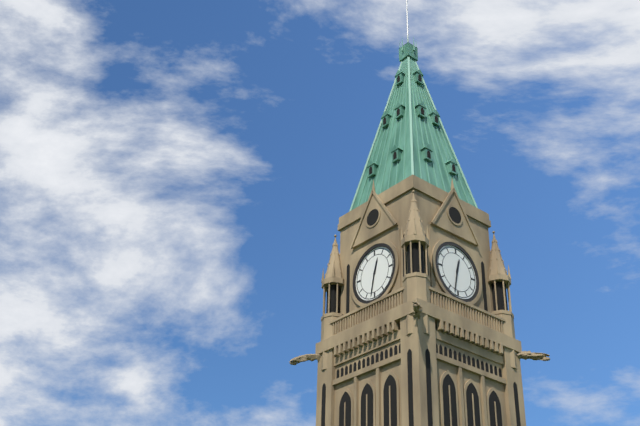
{"hour": 12, "minute": 32}
